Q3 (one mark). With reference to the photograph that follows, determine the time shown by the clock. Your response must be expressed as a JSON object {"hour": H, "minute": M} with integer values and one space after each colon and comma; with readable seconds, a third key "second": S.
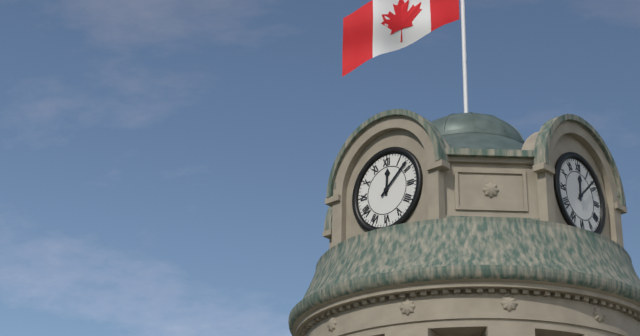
{"hour": 12, "minute": 8}
